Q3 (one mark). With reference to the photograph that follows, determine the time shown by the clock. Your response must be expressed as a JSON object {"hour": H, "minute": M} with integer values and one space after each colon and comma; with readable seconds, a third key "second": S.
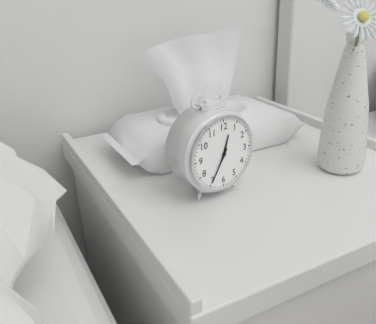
{"hour": 12, "minute": 35}
